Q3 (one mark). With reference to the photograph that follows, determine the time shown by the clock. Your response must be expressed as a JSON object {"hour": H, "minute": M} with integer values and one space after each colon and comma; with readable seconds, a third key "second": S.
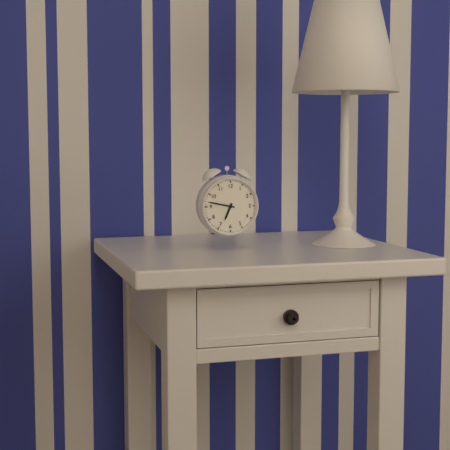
{"hour": 6, "minute": 47}
